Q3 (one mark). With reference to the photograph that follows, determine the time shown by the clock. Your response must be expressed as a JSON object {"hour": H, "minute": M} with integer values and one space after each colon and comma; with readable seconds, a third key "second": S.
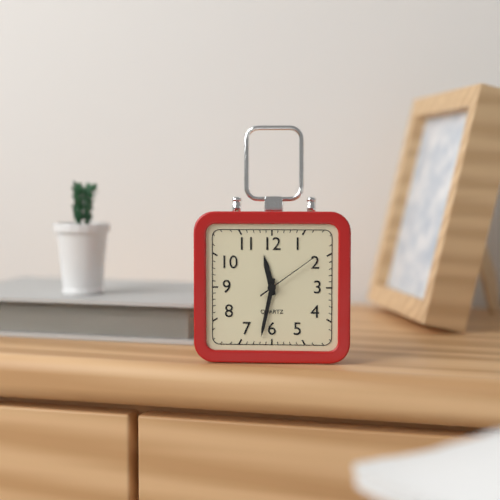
{"hour": 11, "minute": 32, "second": 9}
